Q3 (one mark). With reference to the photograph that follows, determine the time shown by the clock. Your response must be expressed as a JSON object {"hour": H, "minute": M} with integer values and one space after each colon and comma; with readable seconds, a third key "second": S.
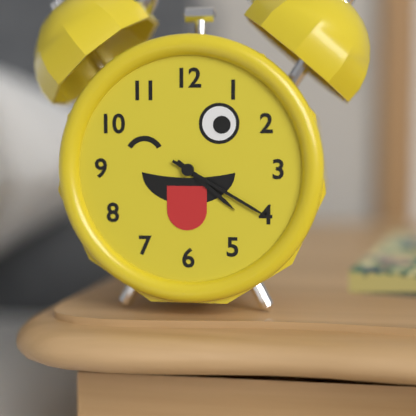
{"hour": 4, "minute": 20}
